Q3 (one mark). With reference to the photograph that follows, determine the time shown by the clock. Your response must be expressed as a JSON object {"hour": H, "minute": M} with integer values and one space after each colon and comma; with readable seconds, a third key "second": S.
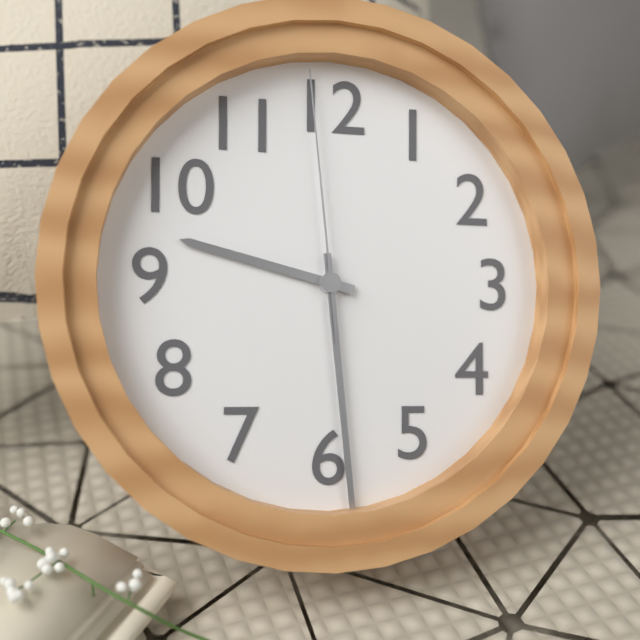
{"hour": 9, "minute": 29, "second": 59}
